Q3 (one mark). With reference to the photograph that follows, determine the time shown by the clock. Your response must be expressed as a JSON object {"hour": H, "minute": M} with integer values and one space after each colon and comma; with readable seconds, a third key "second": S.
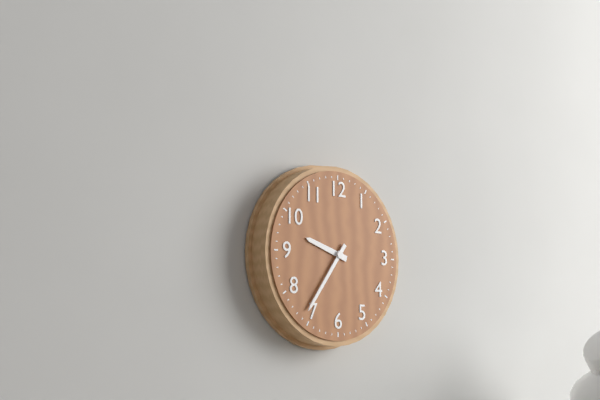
{"hour": 9, "minute": 36}
